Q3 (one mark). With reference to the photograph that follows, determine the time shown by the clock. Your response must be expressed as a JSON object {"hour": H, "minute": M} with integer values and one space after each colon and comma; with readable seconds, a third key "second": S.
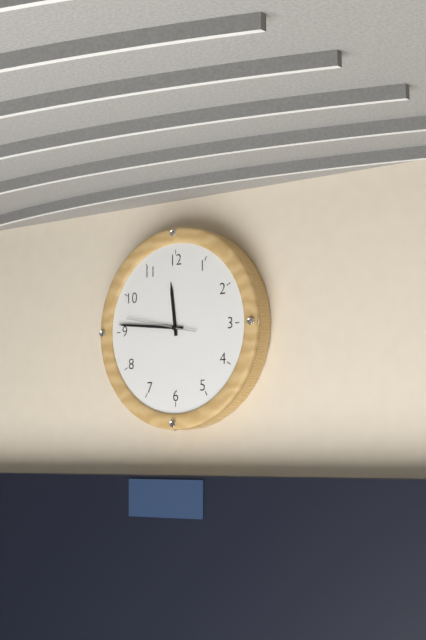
{"hour": 11, "minute": 46, "second": 47}
